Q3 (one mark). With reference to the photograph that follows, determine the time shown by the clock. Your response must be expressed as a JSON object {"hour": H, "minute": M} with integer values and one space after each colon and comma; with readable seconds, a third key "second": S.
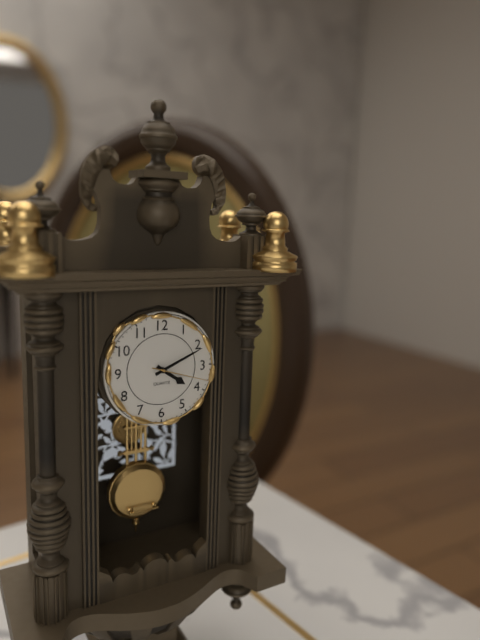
{"hour": 4, "minute": 11, "second": 18}
